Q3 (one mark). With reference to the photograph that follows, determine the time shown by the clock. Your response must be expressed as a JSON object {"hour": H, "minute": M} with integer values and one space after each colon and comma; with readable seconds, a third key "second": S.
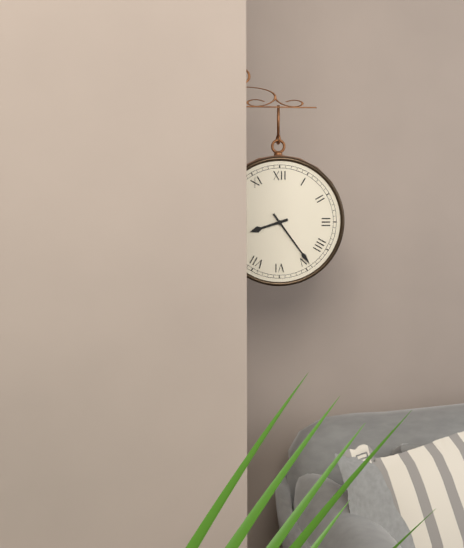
{"hour": 8, "minute": 24}
